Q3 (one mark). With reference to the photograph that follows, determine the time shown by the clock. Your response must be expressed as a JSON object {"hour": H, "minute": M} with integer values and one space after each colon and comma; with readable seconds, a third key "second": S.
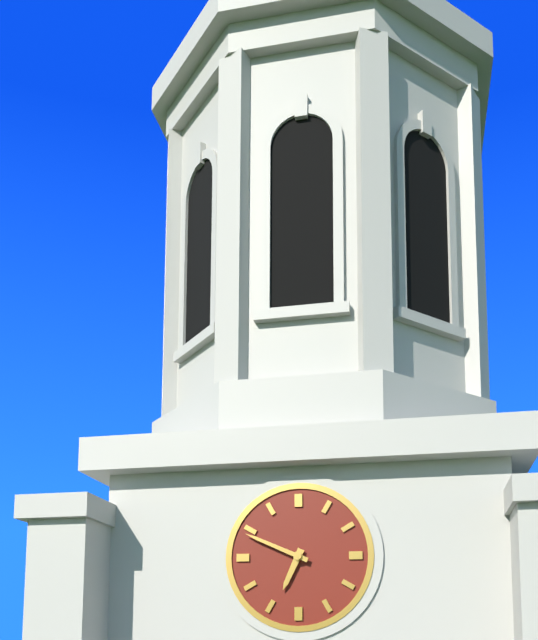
{"hour": 6, "minute": 49}
